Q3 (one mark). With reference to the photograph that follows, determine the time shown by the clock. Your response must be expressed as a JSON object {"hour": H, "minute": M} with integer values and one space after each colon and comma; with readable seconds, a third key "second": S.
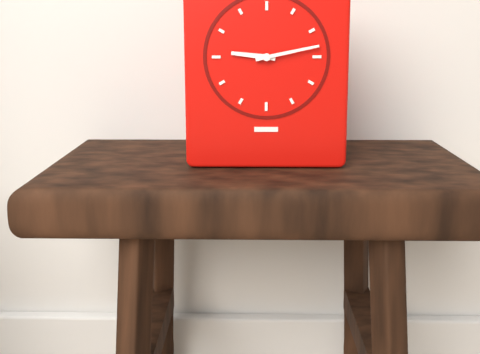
{"hour": 9, "minute": 13}
